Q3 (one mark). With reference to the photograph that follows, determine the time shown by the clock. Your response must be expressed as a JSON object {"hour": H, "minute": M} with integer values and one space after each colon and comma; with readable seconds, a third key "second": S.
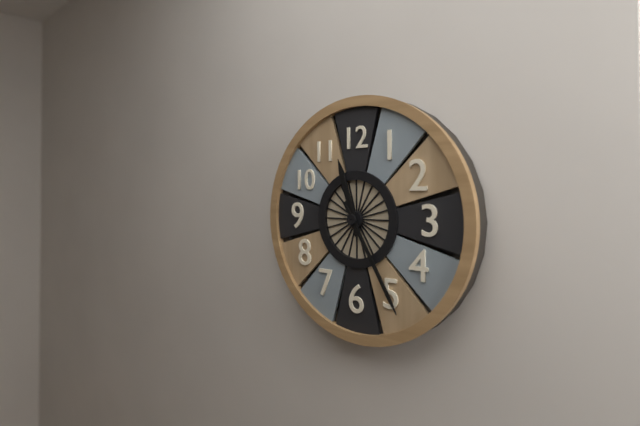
{"hour": 11, "minute": 25}
